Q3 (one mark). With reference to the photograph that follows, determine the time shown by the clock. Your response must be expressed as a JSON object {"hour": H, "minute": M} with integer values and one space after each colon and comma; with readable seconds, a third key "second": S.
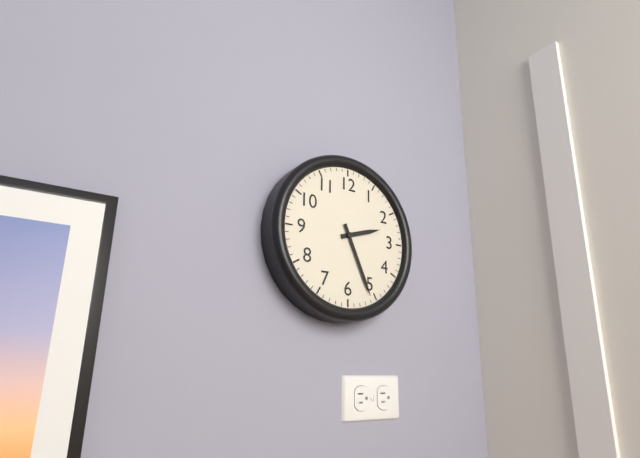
{"hour": 2, "minute": 26}
